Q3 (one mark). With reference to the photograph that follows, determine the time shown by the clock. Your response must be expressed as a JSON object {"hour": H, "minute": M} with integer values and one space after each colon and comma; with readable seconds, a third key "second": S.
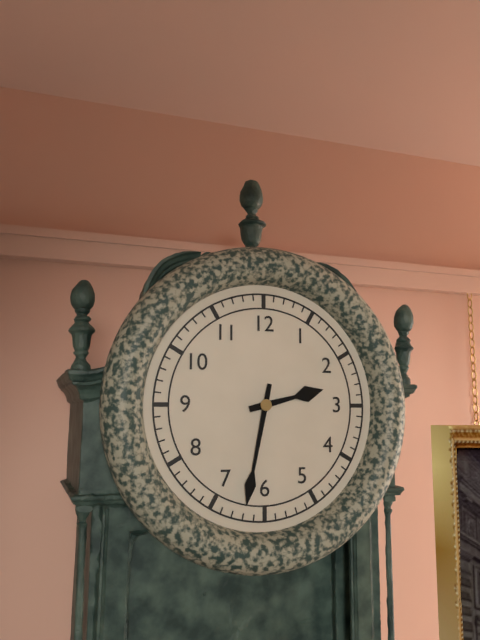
{"hour": 2, "minute": 32}
